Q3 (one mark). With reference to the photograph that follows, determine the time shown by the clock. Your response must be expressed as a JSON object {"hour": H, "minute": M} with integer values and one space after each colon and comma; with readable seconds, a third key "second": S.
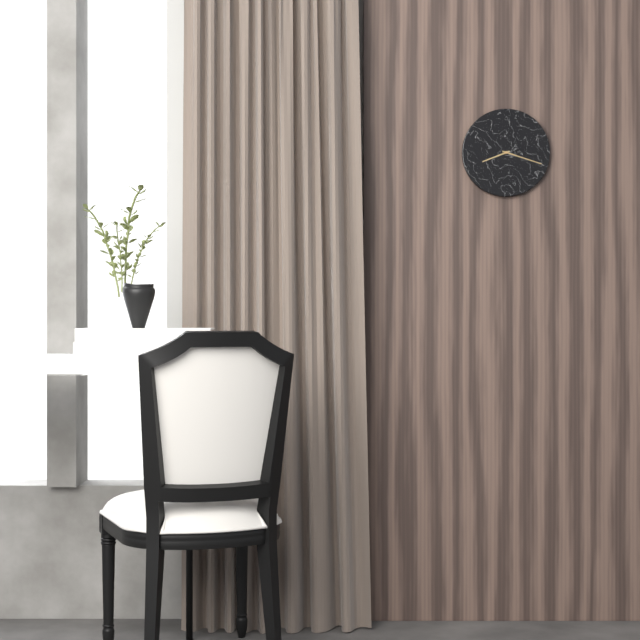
{"hour": 8, "minute": 18}
